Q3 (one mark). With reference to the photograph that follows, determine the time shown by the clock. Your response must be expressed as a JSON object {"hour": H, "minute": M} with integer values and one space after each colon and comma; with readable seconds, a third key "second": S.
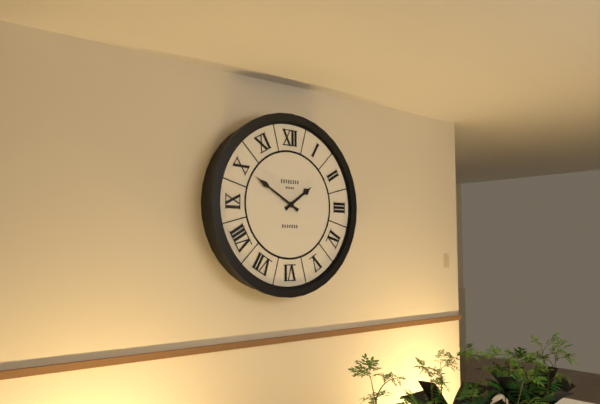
{"hour": 1, "minute": 50}
